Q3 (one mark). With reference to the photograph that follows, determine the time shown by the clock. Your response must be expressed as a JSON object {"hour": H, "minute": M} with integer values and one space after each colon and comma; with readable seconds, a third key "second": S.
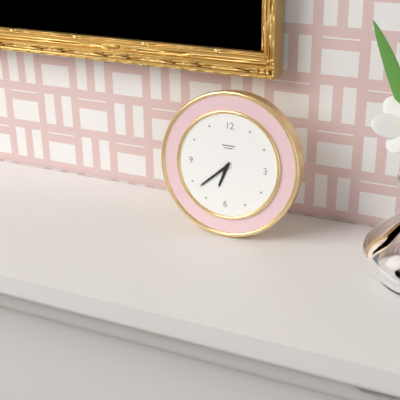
{"hour": 6, "minute": 38}
